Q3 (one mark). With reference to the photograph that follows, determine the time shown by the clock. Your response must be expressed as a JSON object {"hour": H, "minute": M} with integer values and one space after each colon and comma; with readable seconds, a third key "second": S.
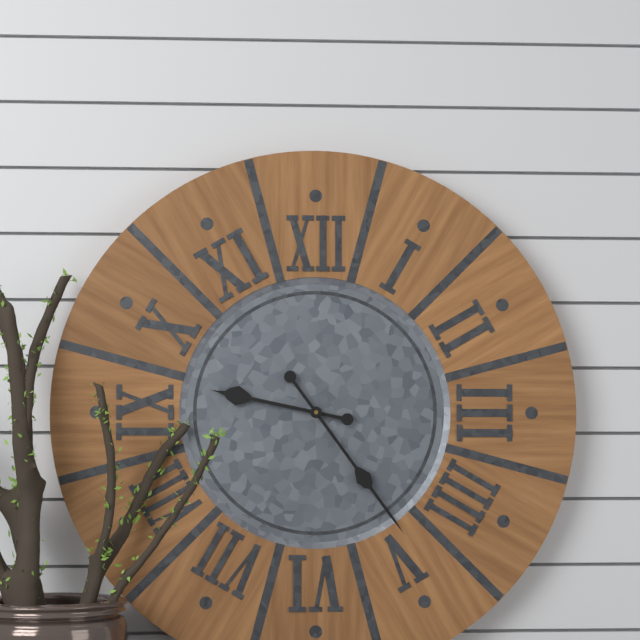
{"hour": 9, "minute": 24}
